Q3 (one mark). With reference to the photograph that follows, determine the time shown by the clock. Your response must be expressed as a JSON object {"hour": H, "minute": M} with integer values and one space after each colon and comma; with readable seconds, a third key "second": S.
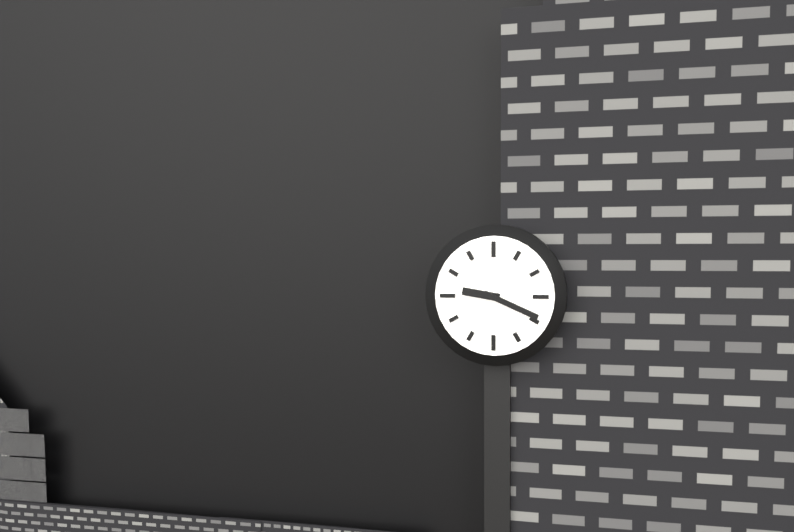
{"hour": 9, "minute": 19}
